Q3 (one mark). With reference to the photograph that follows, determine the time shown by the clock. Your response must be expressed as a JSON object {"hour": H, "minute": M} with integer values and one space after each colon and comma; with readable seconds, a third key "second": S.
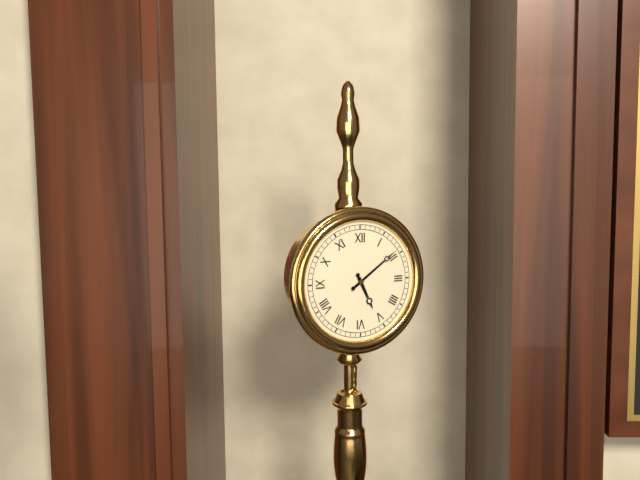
{"hour": 5, "minute": 9}
